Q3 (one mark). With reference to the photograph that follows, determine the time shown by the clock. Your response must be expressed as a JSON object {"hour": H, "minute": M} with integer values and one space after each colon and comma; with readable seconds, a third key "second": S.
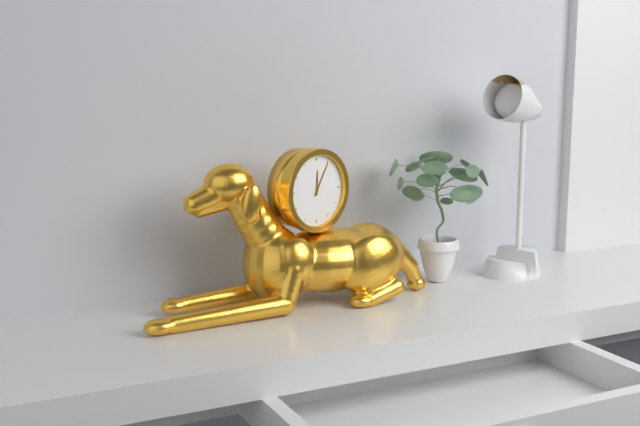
{"hour": 12, "minute": 5}
